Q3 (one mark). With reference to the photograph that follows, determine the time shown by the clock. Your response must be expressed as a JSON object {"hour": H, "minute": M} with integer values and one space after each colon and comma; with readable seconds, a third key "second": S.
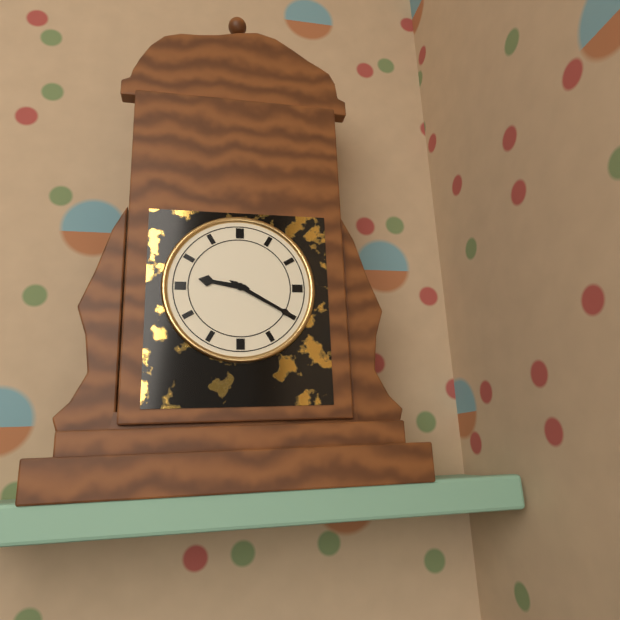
{"hour": 9, "minute": 20}
